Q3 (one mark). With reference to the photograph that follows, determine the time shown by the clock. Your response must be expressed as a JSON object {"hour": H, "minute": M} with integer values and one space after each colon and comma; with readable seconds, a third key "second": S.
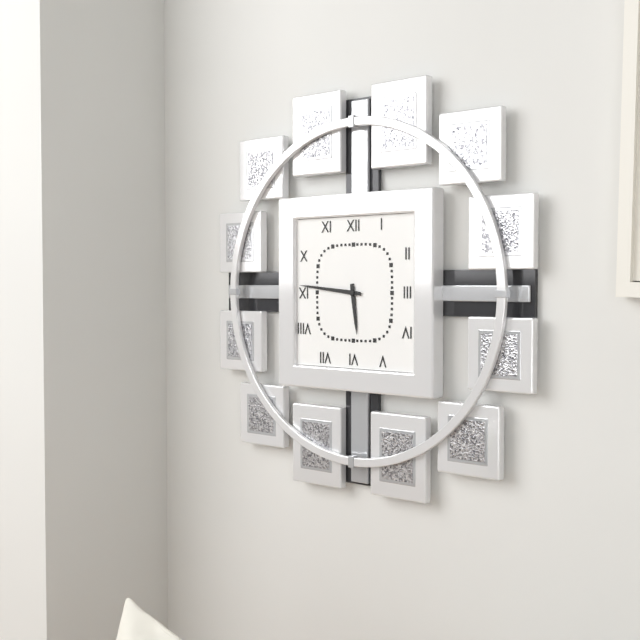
{"hour": 5, "minute": 46}
